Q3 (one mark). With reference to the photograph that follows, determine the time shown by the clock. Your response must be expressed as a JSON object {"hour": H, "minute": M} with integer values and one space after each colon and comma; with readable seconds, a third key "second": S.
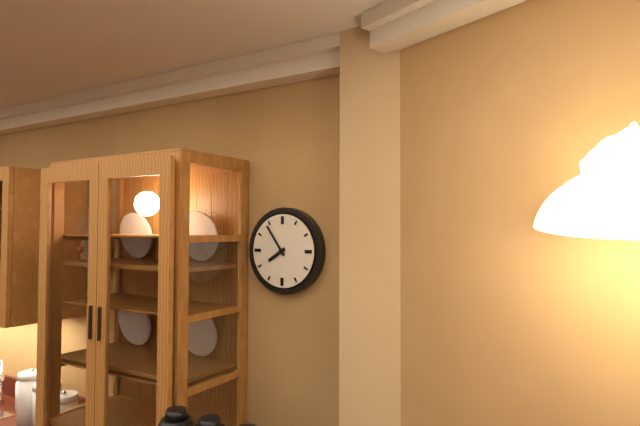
{"hour": 7, "minute": 54}
